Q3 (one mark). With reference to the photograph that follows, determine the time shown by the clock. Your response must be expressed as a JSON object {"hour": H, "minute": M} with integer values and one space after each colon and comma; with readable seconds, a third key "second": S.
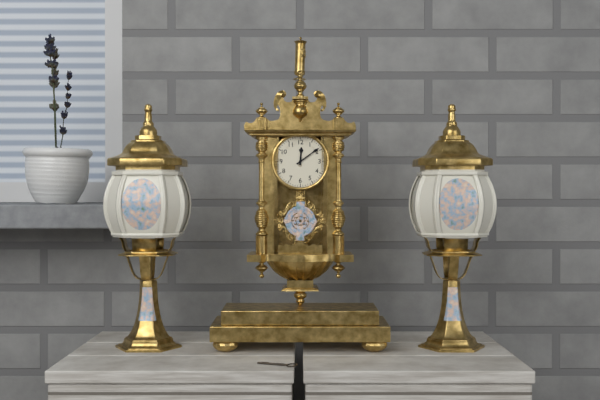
{"hour": 12, "minute": 9}
